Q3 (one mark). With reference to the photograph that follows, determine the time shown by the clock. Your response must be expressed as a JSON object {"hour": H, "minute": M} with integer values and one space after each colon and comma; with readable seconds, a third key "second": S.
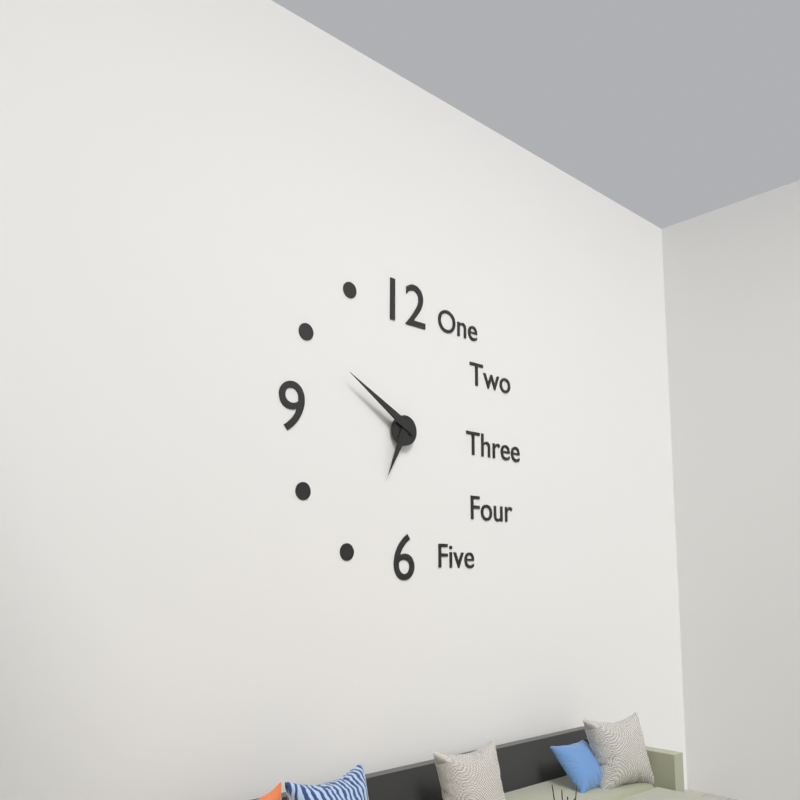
{"hour": 6, "minute": 50}
